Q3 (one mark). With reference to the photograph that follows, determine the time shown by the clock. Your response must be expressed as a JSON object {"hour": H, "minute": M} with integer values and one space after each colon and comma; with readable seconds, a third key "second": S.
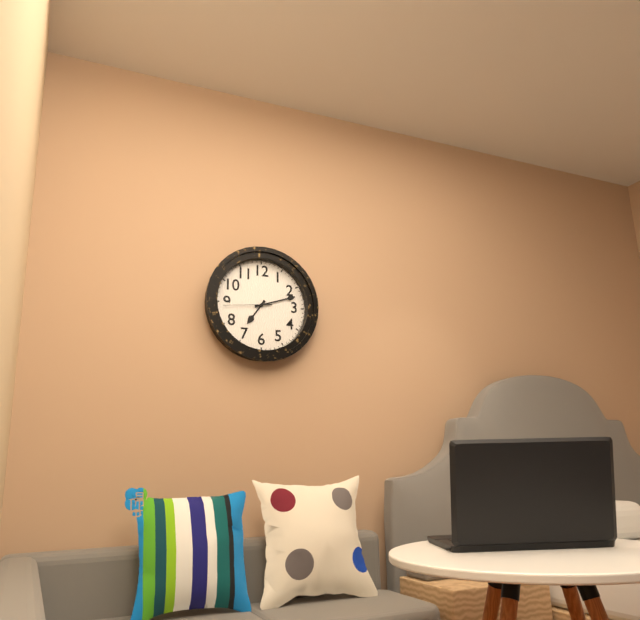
{"hour": 7, "minute": 12}
